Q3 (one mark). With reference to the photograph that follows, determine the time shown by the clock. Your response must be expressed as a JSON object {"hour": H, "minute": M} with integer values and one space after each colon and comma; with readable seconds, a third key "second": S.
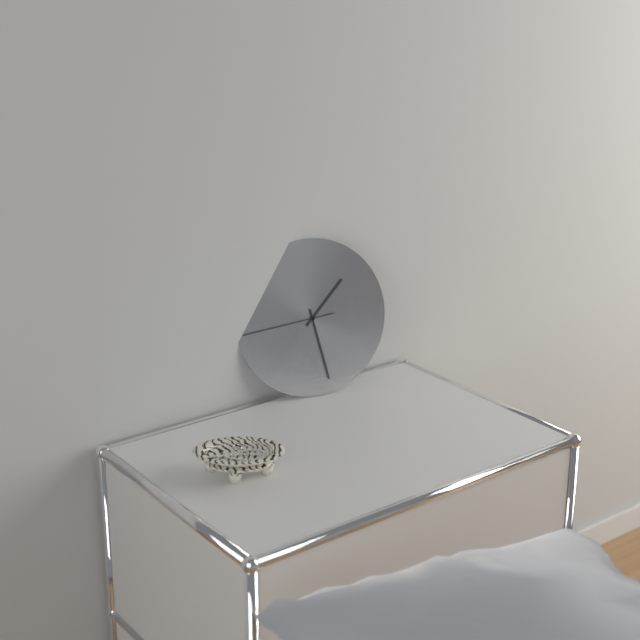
{"hour": 1, "minute": 28, "second": 44}
